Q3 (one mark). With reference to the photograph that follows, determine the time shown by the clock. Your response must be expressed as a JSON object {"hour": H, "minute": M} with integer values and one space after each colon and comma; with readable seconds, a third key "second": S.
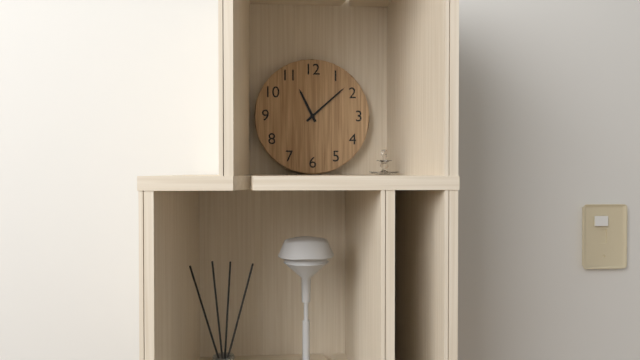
{"hour": 11, "minute": 8}
